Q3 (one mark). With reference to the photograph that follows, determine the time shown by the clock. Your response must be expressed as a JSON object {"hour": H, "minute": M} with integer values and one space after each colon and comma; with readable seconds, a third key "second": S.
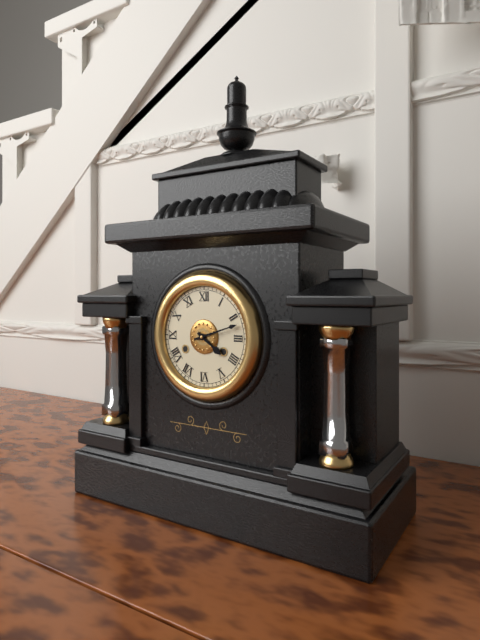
{"hour": 4, "minute": 12}
